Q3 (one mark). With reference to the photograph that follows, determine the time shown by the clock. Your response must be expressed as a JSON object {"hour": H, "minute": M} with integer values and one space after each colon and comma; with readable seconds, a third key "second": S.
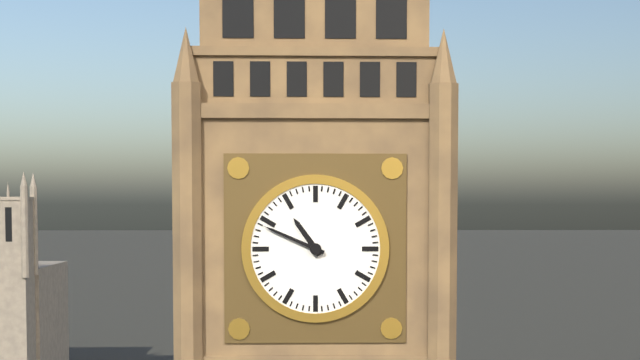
{"hour": 10, "minute": 49}
